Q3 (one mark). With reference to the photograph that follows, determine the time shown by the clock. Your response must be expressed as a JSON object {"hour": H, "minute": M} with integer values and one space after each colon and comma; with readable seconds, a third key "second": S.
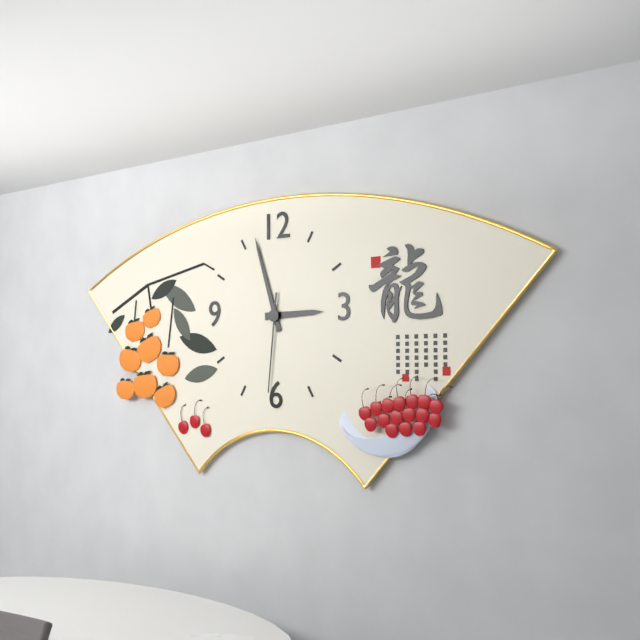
{"hour": 2, "minute": 57, "second": 31}
